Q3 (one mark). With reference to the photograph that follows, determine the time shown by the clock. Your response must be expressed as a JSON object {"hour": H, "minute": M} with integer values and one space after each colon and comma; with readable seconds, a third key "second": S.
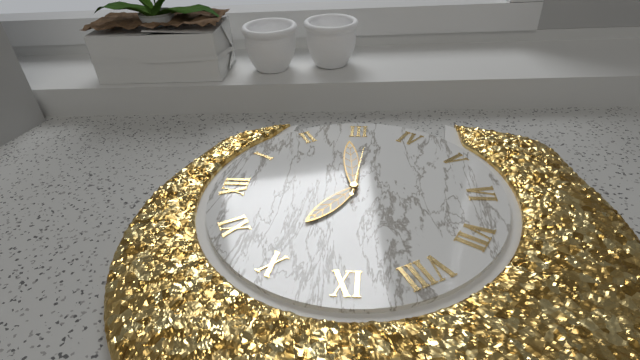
{"hour": 10, "minute": 14, "second": 16}
